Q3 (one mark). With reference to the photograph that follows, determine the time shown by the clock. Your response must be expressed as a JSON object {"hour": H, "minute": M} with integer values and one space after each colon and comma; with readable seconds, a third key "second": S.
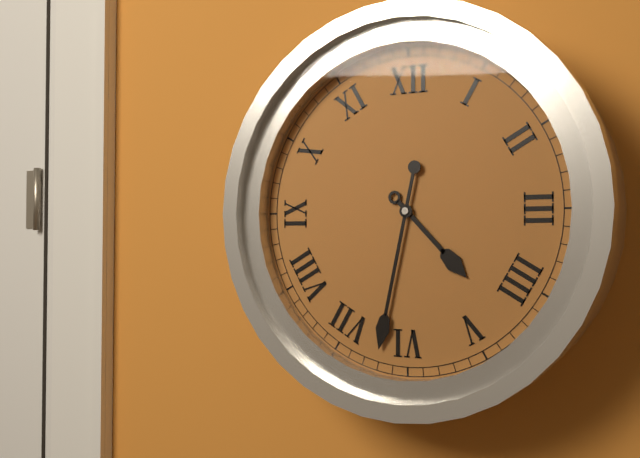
{"hour": 4, "minute": 32}
